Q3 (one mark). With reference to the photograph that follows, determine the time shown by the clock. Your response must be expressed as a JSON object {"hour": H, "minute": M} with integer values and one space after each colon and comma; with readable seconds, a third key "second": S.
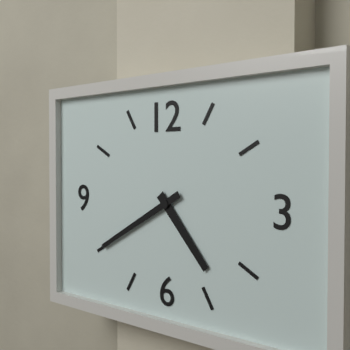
{"hour": 4, "minute": 40}
